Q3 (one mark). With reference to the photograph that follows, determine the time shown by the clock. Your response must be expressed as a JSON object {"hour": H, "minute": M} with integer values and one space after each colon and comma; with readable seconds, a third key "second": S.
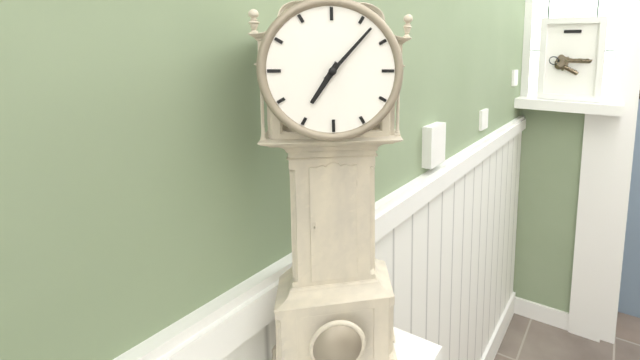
{"hour": 7, "minute": 7}
